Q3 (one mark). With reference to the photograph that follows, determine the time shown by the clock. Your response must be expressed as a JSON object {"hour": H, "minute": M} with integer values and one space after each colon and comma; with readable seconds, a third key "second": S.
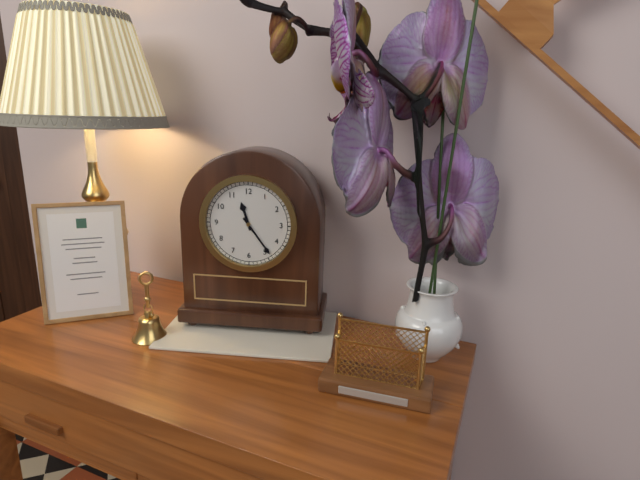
{"hour": 11, "minute": 24}
